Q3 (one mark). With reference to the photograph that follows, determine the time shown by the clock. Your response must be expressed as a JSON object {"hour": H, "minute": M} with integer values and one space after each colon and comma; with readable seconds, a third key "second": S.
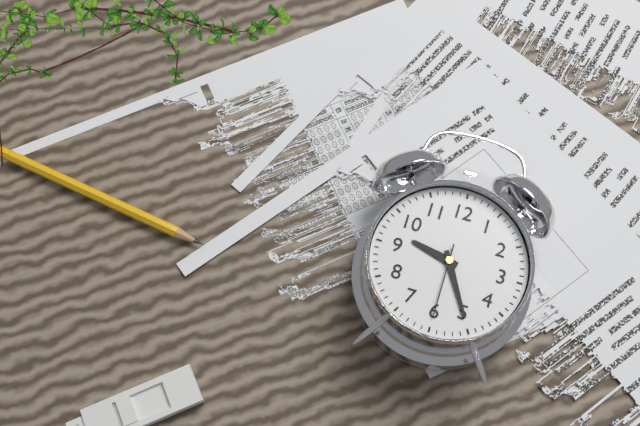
{"hour": 9, "minute": 25, "second": 30}
